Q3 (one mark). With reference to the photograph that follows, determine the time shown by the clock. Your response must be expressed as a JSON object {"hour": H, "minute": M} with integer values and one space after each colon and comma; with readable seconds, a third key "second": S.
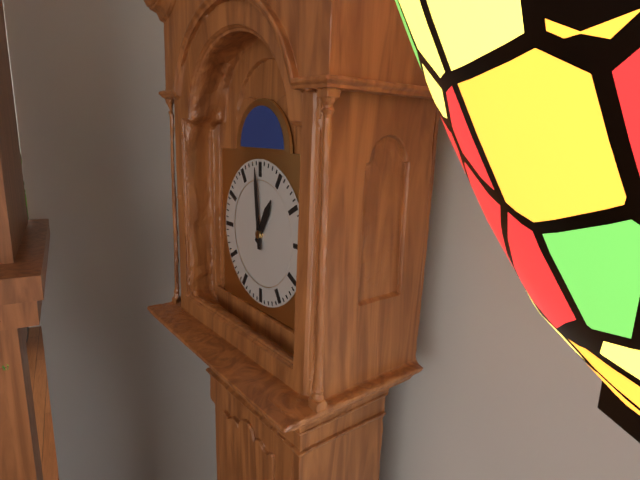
{"hour": 12, "minute": 59}
